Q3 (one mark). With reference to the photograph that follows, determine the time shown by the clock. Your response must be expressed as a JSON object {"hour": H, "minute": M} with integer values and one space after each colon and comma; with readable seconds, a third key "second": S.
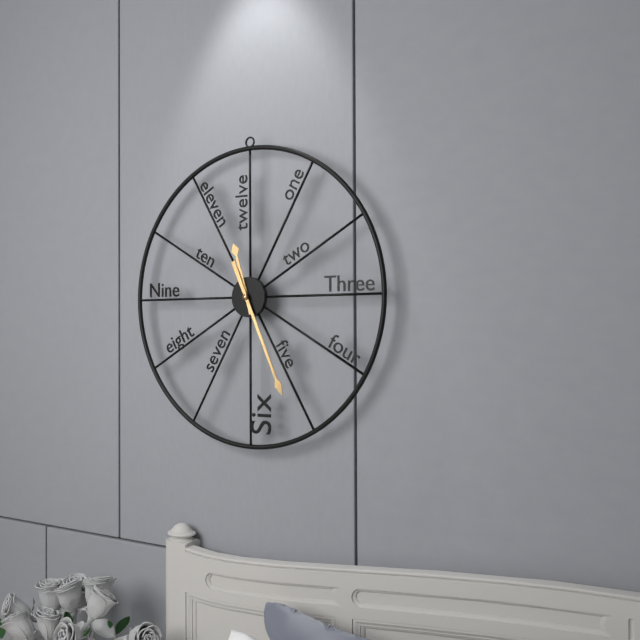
{"hour": 11, "minute": 26}
